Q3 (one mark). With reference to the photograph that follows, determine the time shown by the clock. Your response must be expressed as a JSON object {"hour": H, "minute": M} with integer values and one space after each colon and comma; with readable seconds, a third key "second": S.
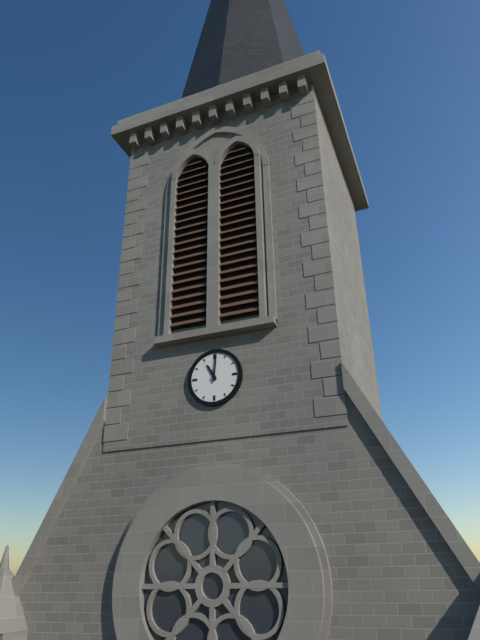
{"hour": 11, "minute": 1}
